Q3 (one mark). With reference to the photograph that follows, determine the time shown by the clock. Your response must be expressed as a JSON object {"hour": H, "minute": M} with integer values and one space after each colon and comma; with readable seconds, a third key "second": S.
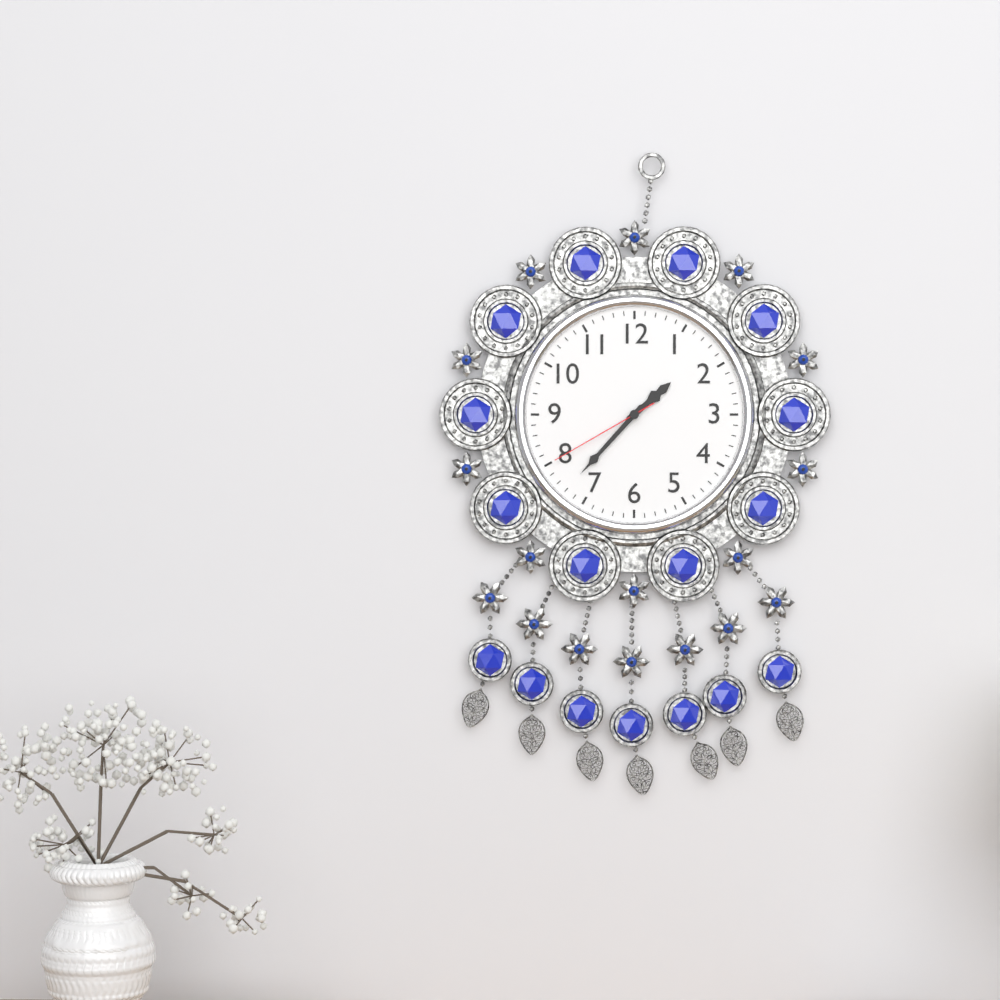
{"hour": 1, "minute": 37, "second": 40}
